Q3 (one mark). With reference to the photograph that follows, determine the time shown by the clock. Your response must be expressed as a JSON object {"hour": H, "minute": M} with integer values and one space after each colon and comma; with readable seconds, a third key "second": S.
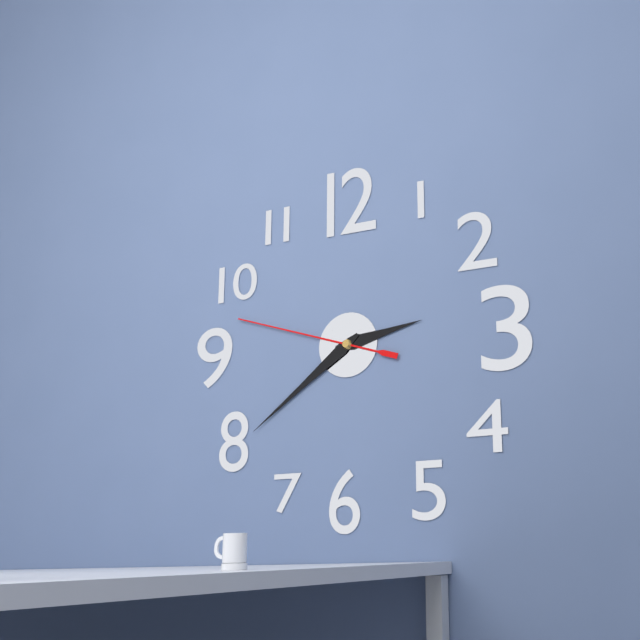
{"hour": 2, "minute": 39, "second": 48}
